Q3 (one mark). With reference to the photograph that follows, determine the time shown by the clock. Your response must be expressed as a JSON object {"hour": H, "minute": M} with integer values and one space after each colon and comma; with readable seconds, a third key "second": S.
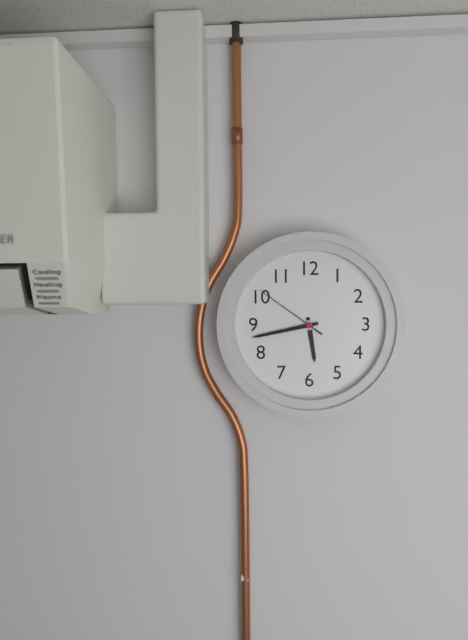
{"hour": 5, "minute": 43, "second": 51}
